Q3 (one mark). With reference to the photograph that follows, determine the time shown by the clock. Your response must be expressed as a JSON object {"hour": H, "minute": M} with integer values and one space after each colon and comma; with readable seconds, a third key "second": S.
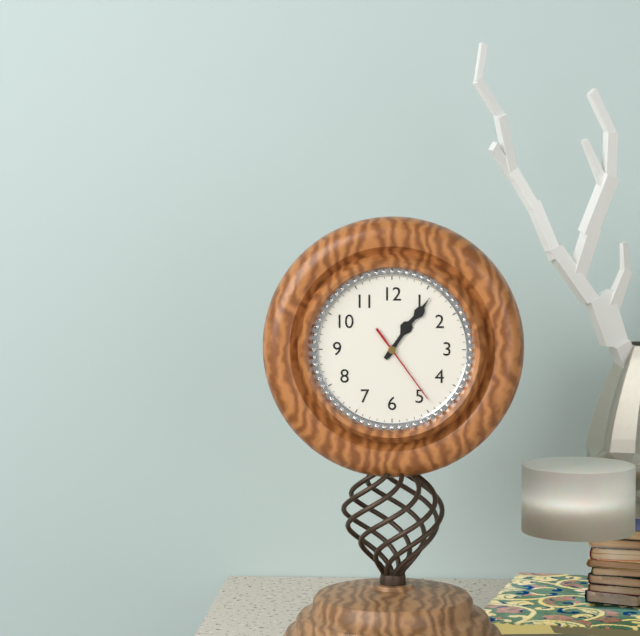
{"hour": 1, "minute": 6, "second": 24}
